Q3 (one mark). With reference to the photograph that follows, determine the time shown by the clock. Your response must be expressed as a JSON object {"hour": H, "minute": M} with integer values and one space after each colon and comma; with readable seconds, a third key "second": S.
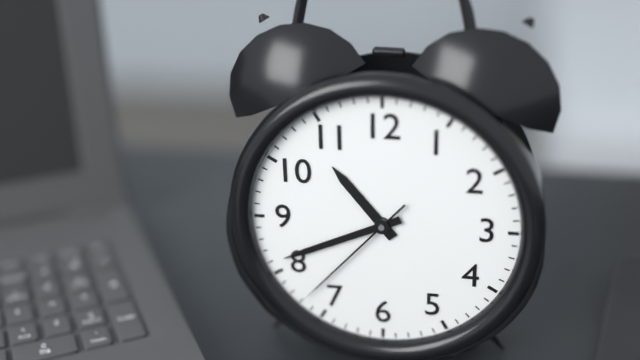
{"hour": 10, "minute": 41, "second": 37}
